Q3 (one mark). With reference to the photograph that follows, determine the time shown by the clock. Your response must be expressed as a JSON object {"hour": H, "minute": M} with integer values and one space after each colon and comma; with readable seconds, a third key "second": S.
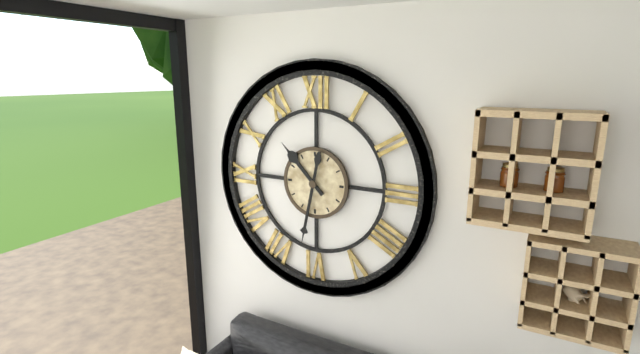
{"hour": 10, "minute": 32}
